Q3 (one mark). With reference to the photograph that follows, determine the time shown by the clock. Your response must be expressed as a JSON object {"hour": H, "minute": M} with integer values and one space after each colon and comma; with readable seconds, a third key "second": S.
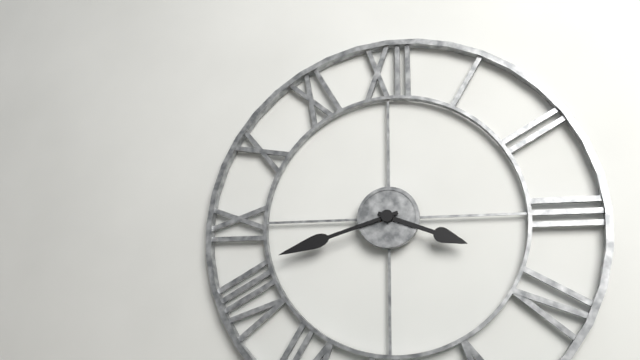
{"hour": 3, "minute": 42}
